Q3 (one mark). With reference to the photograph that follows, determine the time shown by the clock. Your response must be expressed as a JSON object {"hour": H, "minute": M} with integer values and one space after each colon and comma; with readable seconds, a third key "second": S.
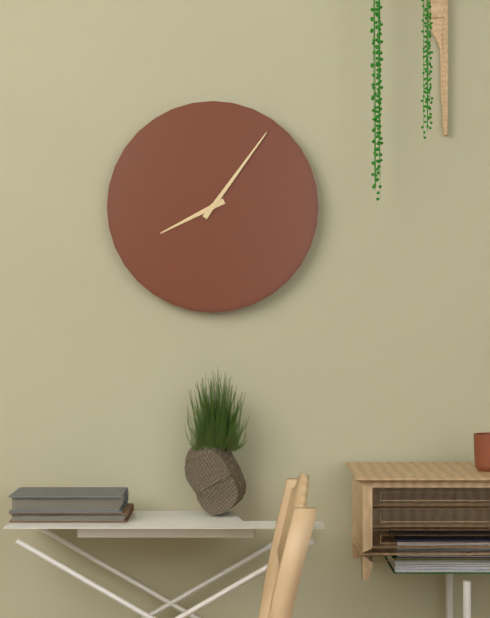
{"hour": 8, "minute": 6}
